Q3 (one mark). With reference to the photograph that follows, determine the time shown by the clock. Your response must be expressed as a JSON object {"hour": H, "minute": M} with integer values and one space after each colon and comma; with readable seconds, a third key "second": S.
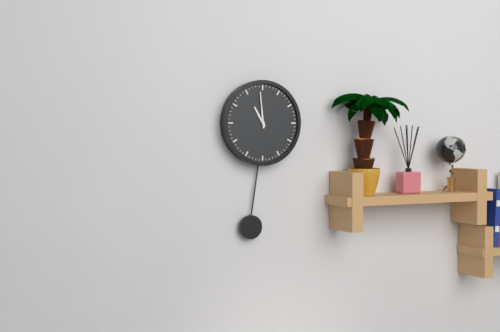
{"hour": 10, "minute": 59}
